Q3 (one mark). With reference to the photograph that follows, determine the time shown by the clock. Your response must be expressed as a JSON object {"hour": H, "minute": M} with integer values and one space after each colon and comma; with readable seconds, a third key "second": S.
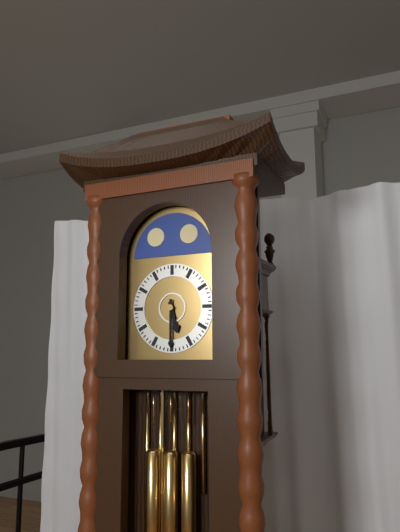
{"hour": 5, "minute": 30}
